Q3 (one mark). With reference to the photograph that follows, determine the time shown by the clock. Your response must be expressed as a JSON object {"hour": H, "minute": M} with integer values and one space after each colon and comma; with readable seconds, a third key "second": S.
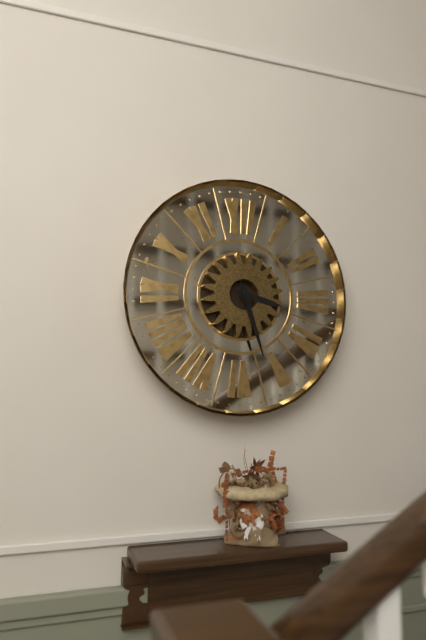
{"hour": 3, "minute": 27}
